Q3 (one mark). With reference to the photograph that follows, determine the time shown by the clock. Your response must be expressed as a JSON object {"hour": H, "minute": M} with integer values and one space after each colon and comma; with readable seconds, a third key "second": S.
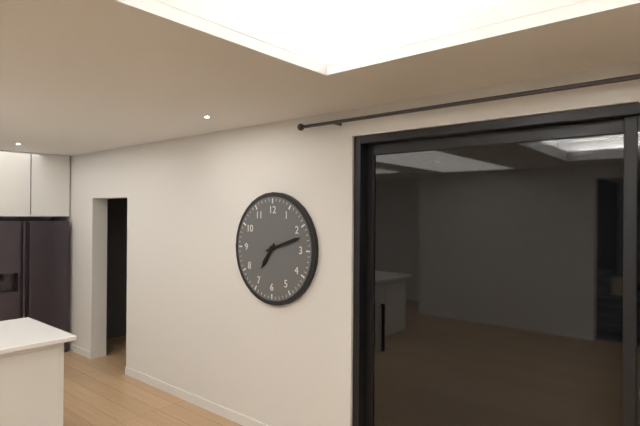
{"hour": 7, "minute": 12}
